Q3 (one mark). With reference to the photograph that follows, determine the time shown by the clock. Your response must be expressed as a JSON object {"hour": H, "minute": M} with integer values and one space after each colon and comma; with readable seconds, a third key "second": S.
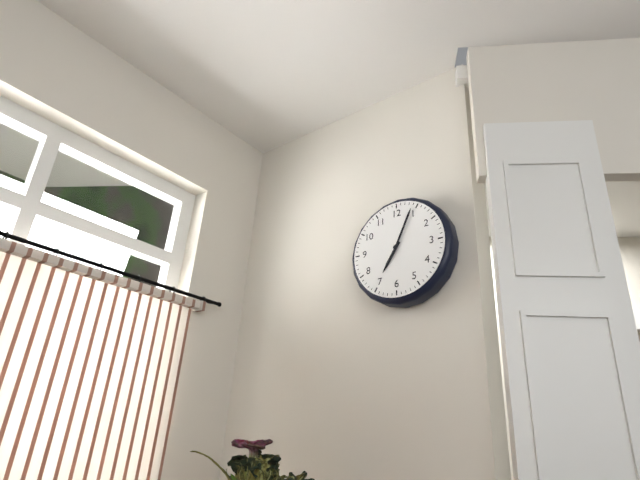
{"hour": 7, "minute": 4}
